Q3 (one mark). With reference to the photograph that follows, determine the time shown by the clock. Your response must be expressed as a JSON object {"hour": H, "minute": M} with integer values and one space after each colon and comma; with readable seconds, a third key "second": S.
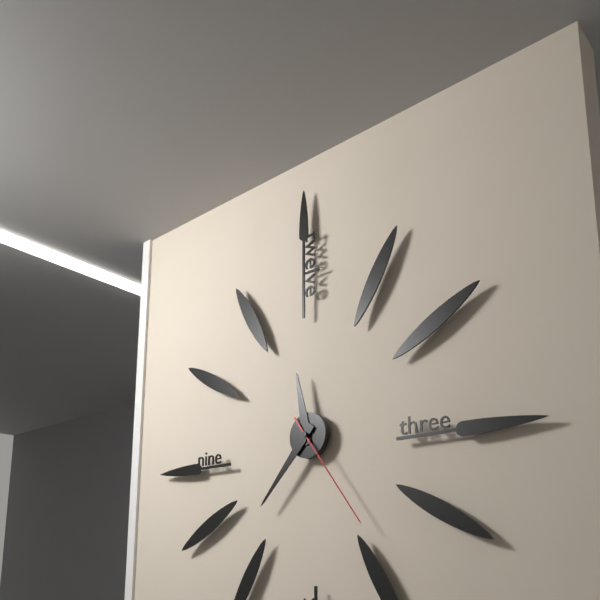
{"hour": 11, "minute": 37, "second": 24}
